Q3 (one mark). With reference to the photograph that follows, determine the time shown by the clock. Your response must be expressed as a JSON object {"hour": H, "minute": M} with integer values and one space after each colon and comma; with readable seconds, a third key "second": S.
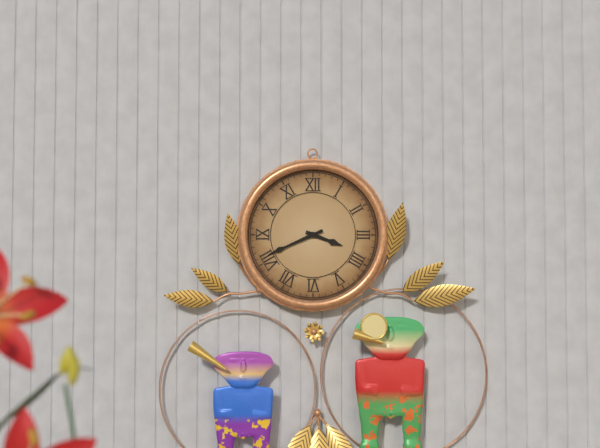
{"hour": 3, "minute": 41}
